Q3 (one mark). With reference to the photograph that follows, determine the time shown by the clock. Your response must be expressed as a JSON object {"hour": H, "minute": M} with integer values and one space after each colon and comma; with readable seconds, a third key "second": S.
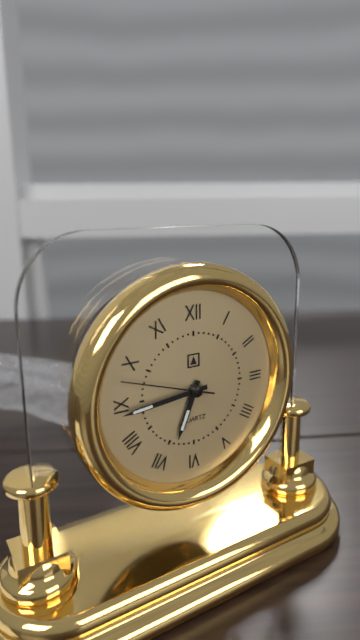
{"hour": 6, "minute": 44, "second": 48}
